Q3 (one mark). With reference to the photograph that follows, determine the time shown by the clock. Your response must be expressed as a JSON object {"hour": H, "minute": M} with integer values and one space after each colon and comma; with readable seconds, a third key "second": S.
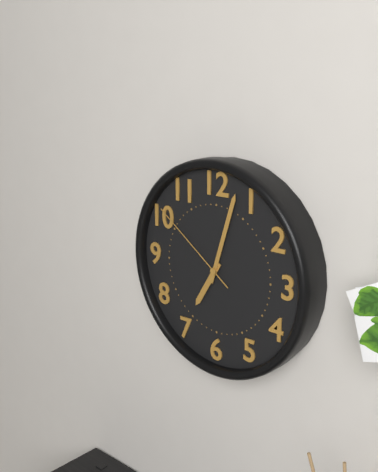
{"hour": 7, "minute": 3, "second": 51}
